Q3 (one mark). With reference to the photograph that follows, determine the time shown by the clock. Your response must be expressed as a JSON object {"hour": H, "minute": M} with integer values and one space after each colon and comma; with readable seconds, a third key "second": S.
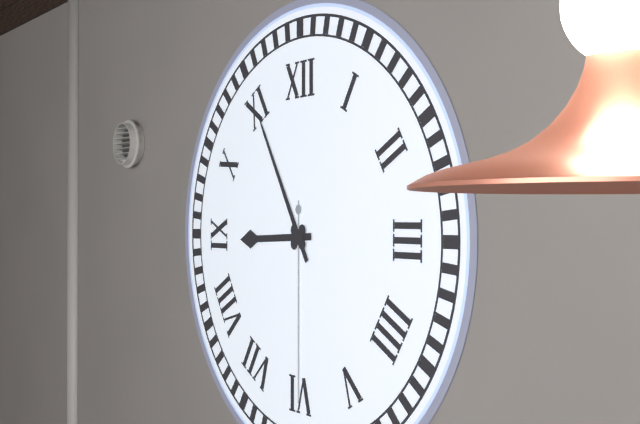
{"hour": 8, "minute": 55, "second": 30}
